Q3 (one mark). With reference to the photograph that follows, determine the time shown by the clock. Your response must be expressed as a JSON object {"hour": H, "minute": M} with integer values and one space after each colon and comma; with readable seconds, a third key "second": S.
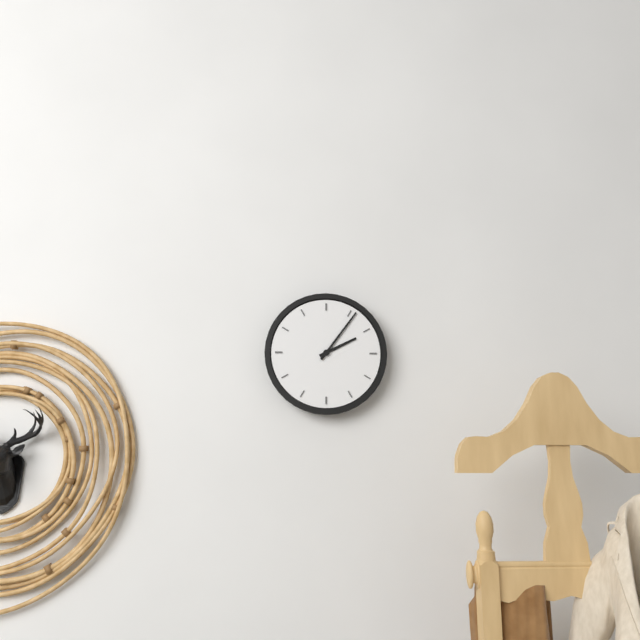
{"hour": 2, "minute": 6}
